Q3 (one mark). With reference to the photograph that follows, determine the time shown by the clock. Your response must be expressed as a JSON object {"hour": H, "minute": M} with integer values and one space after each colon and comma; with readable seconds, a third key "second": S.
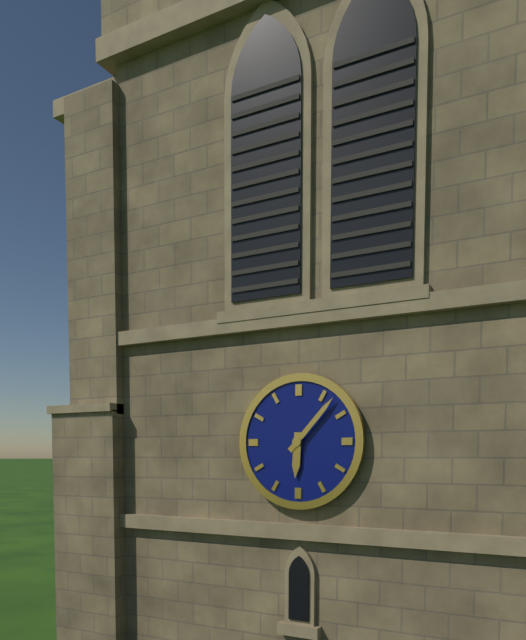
{"hour": 6, "minute": 7}
